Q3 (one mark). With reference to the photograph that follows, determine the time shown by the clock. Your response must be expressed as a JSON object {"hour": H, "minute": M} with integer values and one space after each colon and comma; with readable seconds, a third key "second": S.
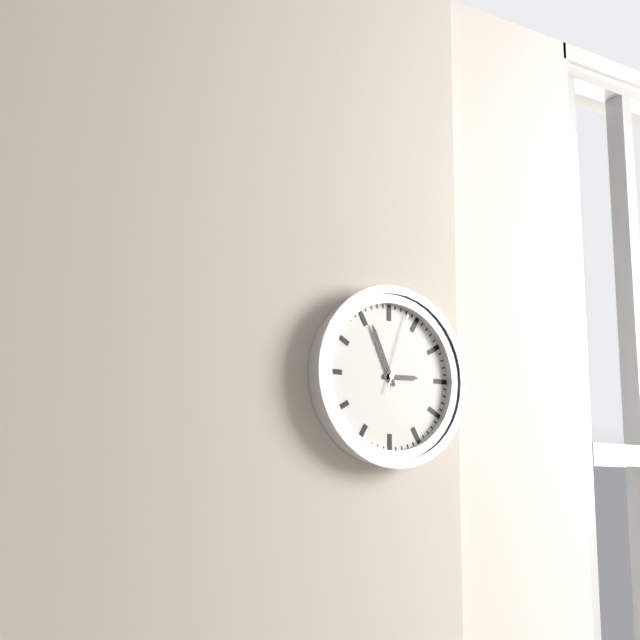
{"hour": 2, "minute": 56, "second": 3}
